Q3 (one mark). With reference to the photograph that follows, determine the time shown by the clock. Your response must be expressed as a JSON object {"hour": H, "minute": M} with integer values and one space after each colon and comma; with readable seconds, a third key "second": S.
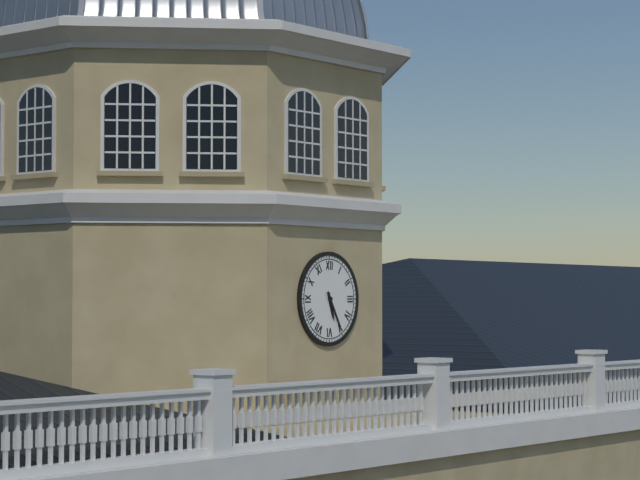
{"hour": 5, "minute": 25}
